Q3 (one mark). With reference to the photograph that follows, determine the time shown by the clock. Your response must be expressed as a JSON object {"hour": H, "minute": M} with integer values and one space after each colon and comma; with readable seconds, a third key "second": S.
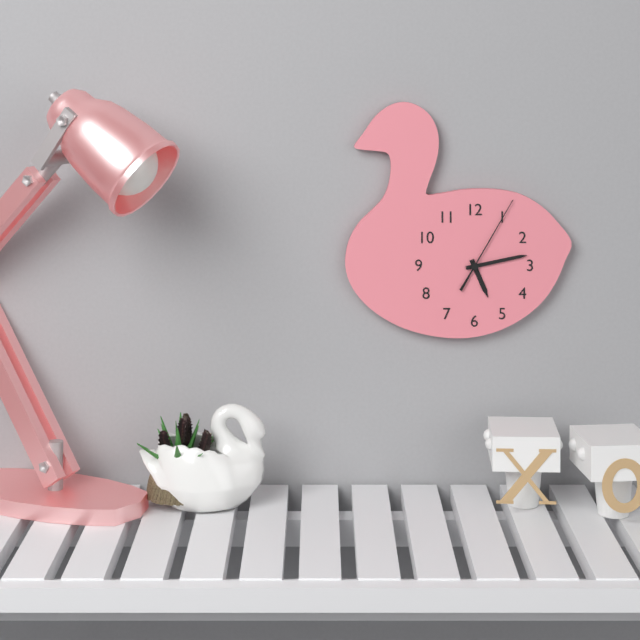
{"hour": 5, "minute": 13, "second": 5}
